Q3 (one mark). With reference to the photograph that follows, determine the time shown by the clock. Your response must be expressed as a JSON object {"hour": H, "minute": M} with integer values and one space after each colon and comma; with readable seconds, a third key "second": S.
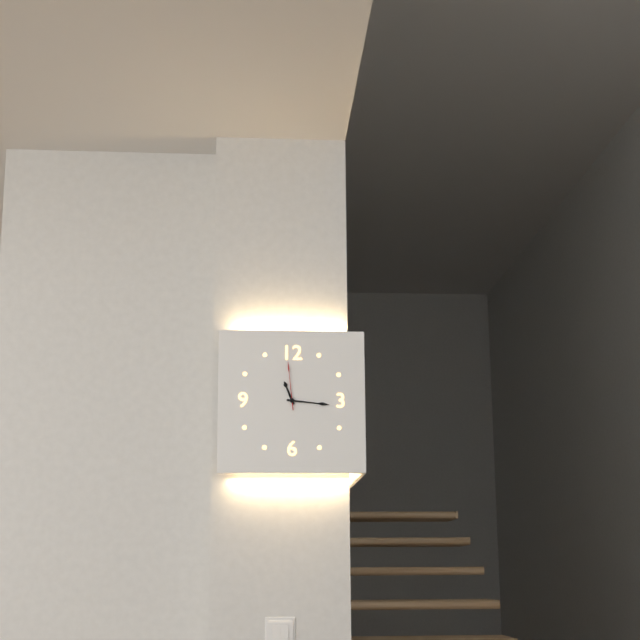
{"hour": 11, "minute": 16, "second": 59}
